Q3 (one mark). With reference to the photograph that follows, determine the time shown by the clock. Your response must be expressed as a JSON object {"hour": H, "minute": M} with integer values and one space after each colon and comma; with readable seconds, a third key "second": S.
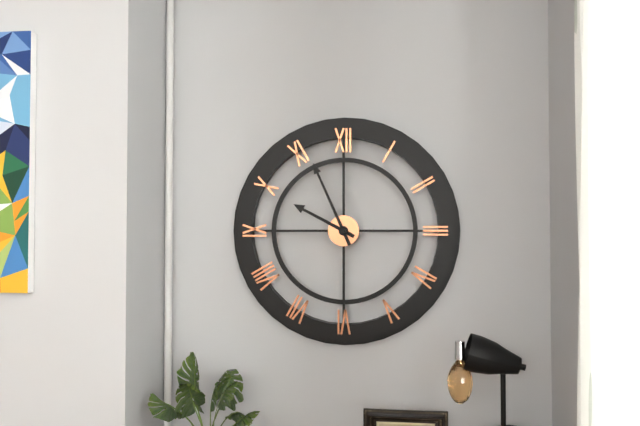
{"hour": 9, "minute": 56}
